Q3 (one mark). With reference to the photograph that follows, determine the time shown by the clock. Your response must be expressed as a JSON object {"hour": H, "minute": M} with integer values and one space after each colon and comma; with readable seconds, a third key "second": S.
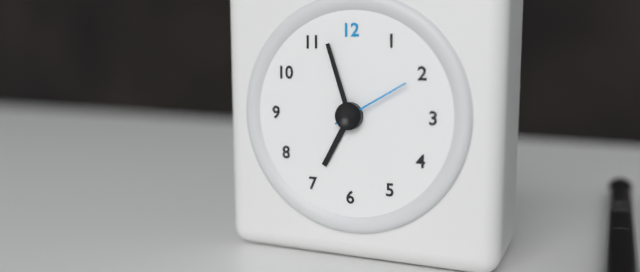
{"hour": 6, "minute": 57, "second": 10}
